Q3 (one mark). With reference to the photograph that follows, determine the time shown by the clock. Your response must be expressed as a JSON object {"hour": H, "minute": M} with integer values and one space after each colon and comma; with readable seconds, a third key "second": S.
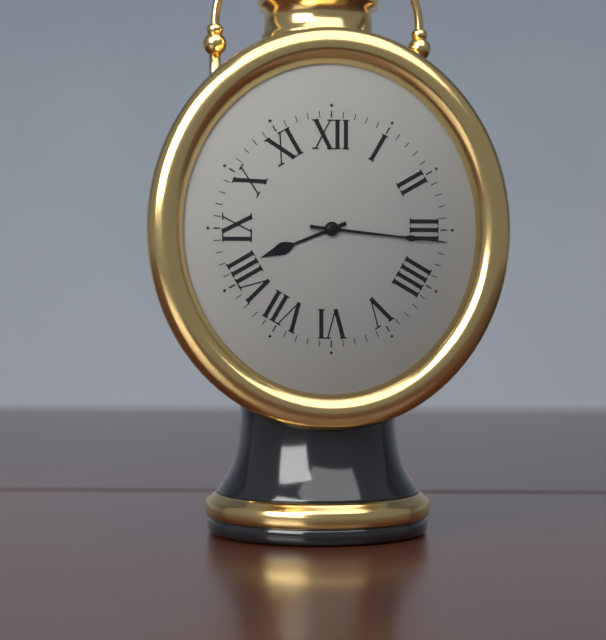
{"hour": 8, "minute": 16}
